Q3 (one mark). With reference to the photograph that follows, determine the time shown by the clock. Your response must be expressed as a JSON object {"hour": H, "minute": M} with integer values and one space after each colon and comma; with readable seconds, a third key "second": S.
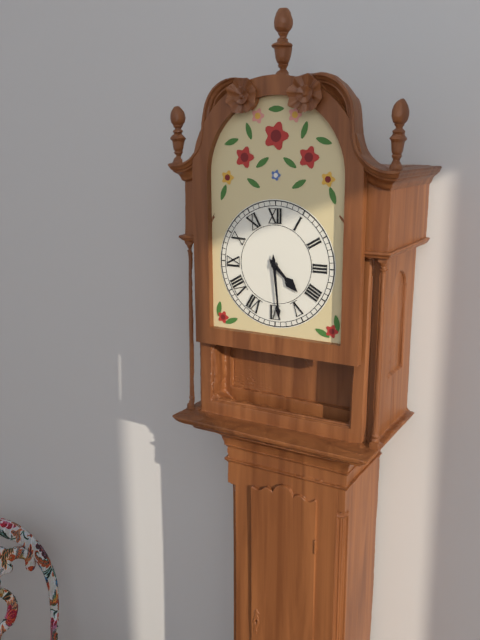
{"hour": 4, "minute": 29}
